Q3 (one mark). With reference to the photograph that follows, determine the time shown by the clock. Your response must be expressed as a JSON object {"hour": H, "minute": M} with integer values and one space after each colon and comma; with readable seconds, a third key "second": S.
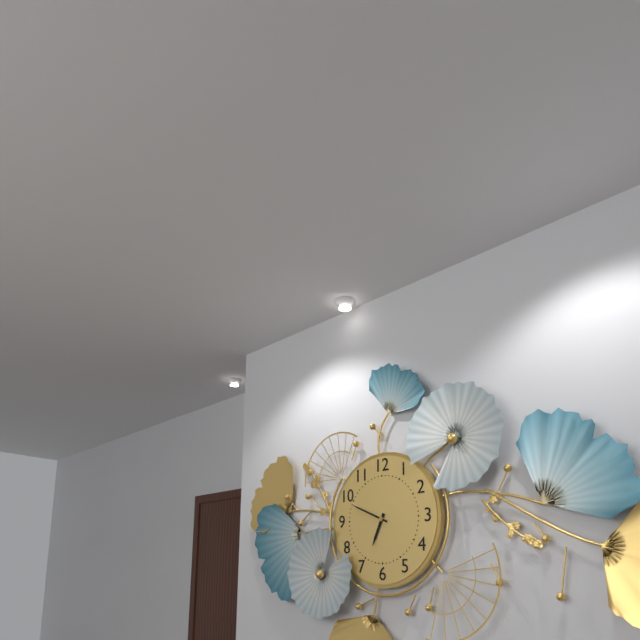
{"hour": 6, "minute": 49}
